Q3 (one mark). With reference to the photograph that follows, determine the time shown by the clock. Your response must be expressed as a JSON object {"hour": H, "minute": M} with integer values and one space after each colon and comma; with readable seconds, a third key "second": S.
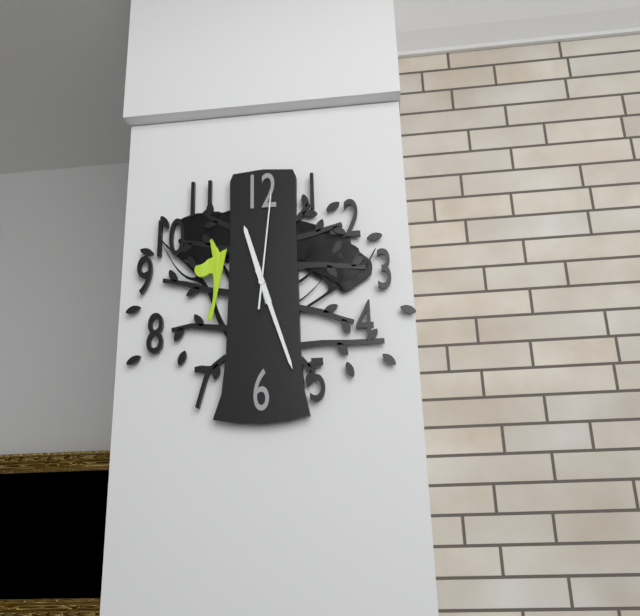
{"hour": 11, "minute": 27, "second": 1}
